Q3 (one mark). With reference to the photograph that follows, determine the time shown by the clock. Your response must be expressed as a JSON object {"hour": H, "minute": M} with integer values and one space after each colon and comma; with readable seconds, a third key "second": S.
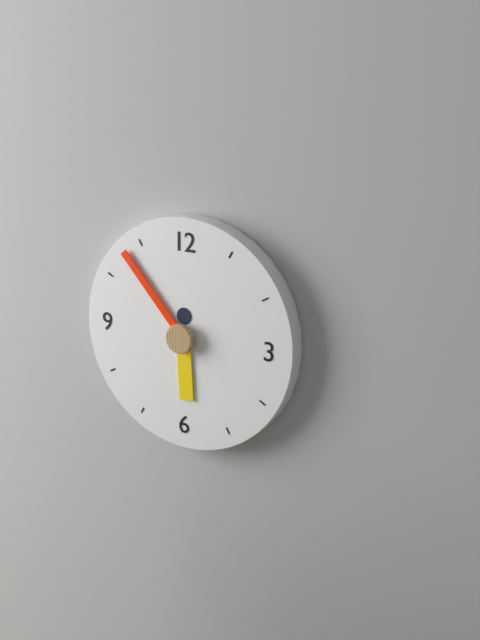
{"hour": 5, "minute": 53}
